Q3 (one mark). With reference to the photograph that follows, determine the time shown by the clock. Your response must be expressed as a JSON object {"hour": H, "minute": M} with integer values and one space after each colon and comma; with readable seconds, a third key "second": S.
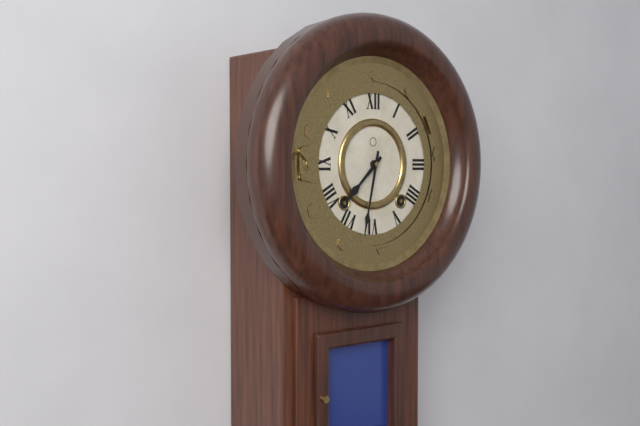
{"hour": 7, "minute": 32}
